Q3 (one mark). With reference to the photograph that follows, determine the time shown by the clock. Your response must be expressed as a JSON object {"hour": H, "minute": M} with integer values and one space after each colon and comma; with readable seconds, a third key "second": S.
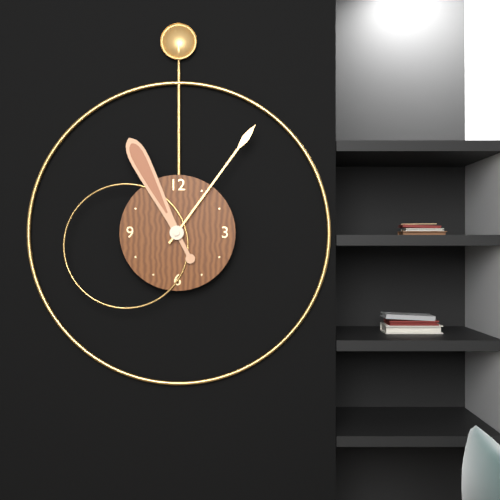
{"hour": 11, "minute": 6}
